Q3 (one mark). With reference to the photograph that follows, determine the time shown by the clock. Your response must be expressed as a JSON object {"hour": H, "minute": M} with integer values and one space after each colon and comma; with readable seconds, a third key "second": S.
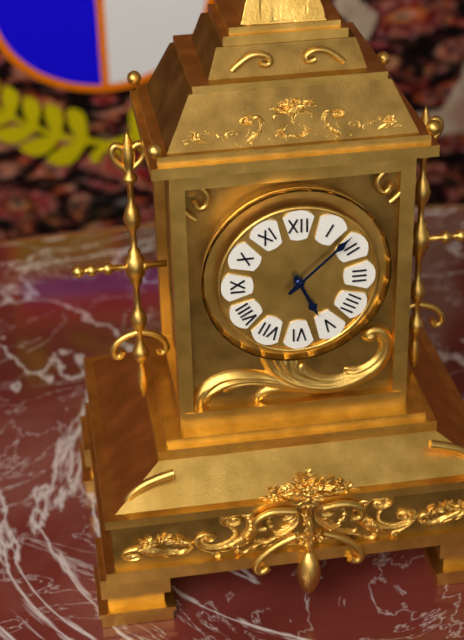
{"hour": 5, "minute": 8}
